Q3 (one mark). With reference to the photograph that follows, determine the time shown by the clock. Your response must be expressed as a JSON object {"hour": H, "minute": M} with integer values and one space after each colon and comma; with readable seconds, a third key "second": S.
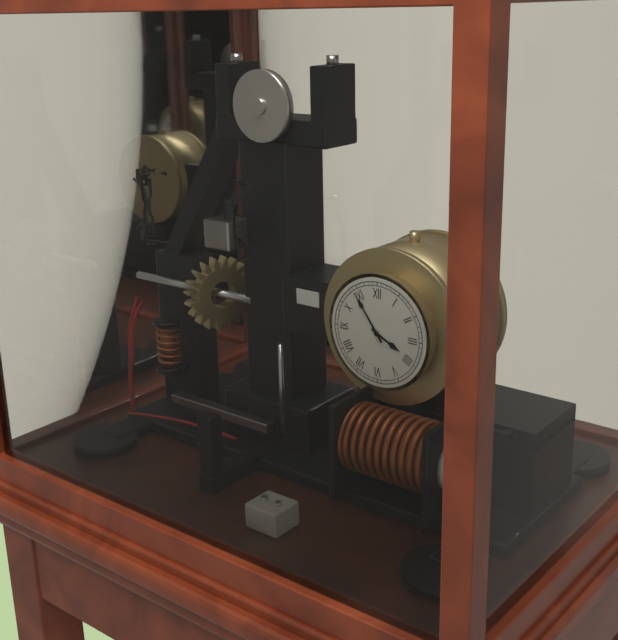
{"hour": 3, "minute": 54}
